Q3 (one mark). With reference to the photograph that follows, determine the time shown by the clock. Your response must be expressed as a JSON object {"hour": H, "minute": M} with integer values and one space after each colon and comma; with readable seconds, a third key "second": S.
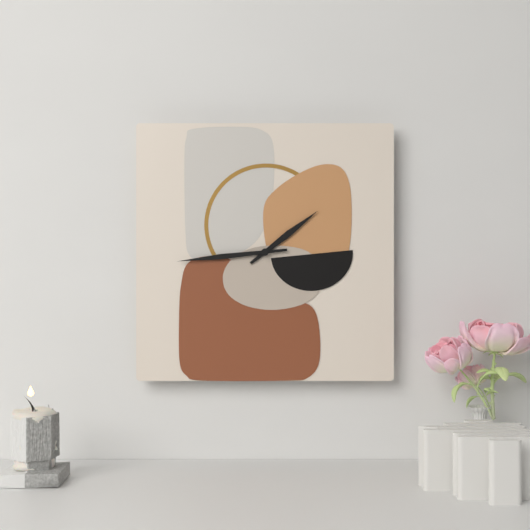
{"hour": 1, "minute": 44}
